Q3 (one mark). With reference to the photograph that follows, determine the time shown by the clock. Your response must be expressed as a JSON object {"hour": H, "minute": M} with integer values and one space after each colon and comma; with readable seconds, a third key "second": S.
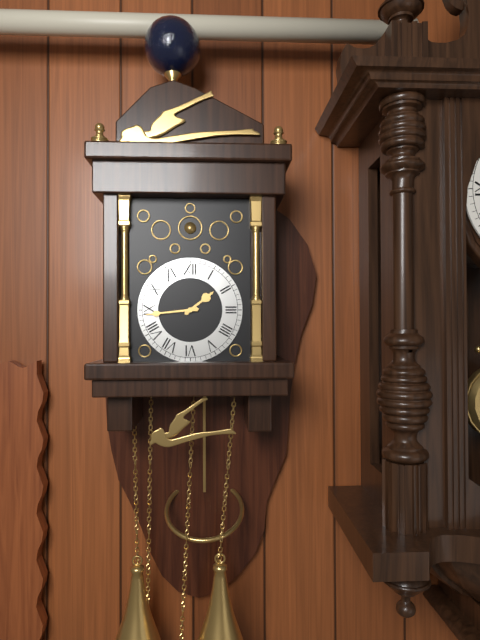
{"hour": 1, "minute": 44}
